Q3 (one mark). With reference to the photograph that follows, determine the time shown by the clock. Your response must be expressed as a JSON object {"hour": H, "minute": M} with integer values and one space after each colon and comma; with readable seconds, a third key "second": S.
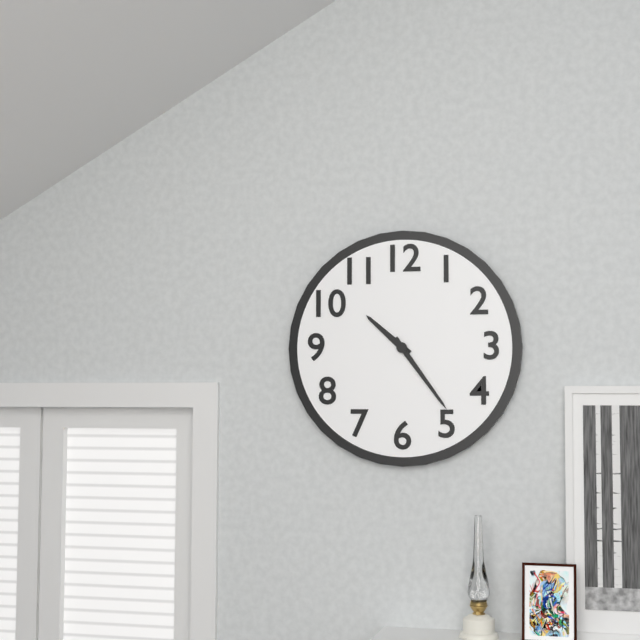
{"hour": 10, "minute": 24}
